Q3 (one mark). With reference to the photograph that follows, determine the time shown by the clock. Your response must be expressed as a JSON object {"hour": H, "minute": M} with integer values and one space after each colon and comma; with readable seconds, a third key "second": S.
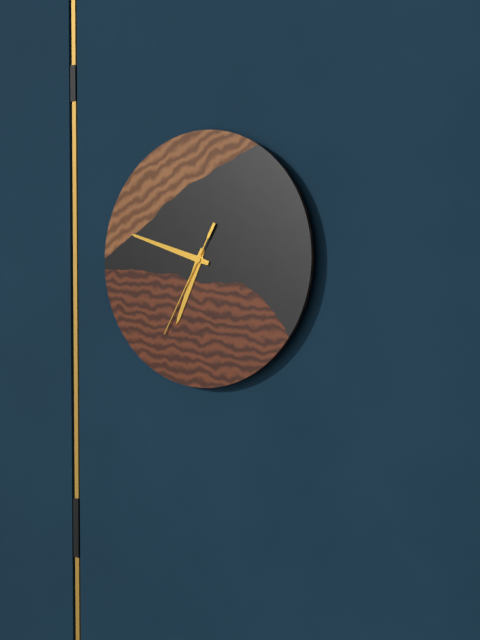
{"hour": 6, "minute": 48, "second": 35}
